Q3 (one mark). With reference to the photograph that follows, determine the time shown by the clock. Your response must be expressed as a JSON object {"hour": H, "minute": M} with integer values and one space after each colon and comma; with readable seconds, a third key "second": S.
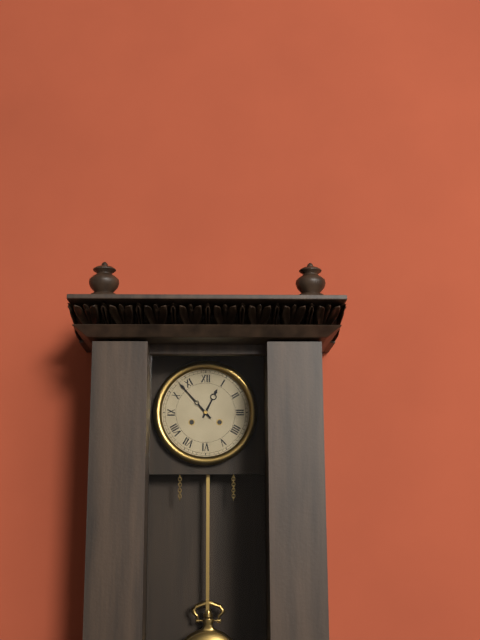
{"hour": 12, "minute": 53}
